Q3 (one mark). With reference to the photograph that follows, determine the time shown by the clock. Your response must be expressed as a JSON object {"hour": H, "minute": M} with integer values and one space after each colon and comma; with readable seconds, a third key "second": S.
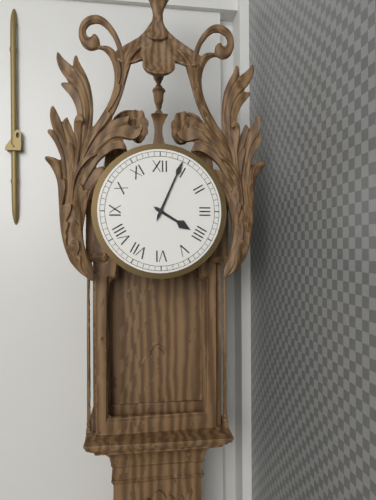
{"hour": 4, "minute": 4}
